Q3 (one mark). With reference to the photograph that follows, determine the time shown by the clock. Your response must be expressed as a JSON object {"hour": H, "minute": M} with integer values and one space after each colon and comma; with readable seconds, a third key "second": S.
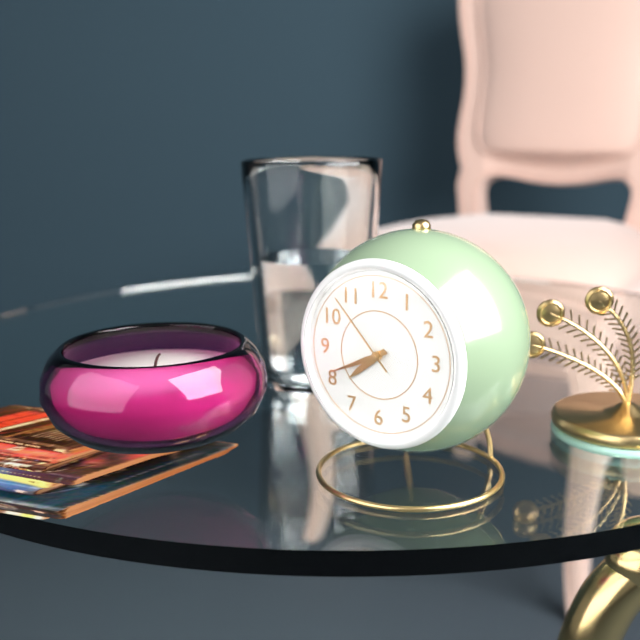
{"hour": 7, "minute": 41, "second": 53}
